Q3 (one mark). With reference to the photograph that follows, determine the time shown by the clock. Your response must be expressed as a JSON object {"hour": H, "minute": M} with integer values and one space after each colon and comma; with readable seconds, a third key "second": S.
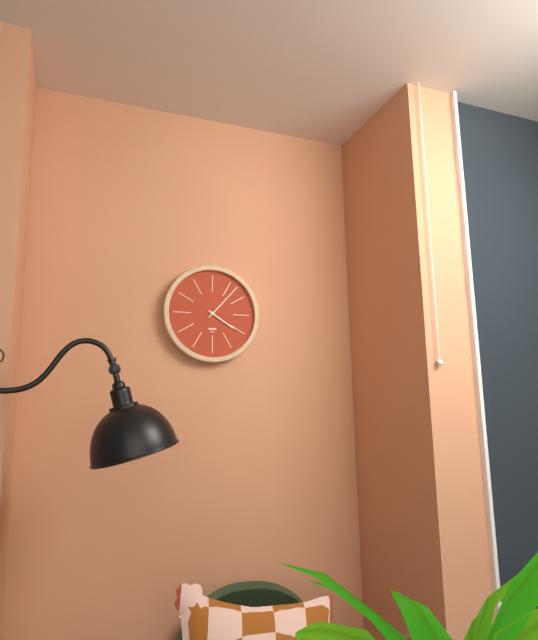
{"hour": 4, "minute": 7}
